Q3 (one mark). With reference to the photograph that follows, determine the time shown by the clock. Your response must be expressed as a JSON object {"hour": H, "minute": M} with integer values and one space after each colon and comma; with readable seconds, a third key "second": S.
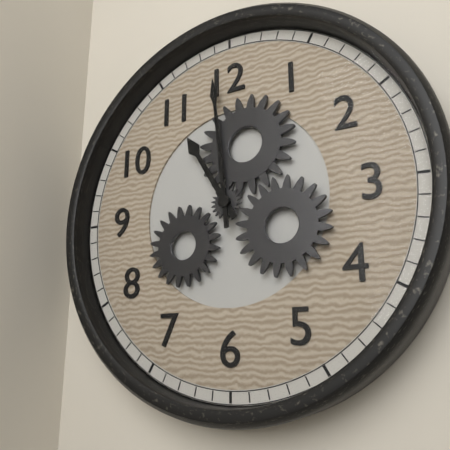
{"hour": 10, "minute": 59}
